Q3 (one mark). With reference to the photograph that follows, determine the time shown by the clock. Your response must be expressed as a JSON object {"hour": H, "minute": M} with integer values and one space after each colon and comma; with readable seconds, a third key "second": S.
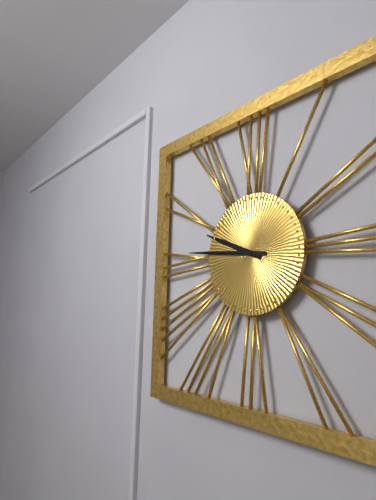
{"hour": 9, "minute": 46}
